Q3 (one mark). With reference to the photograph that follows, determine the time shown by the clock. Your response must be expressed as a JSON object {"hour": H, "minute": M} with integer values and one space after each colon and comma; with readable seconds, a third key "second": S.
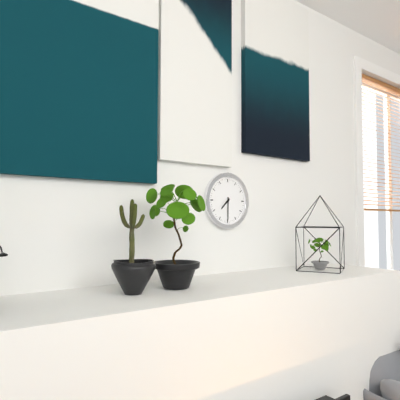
{"hour": 7, "minute": 30}
